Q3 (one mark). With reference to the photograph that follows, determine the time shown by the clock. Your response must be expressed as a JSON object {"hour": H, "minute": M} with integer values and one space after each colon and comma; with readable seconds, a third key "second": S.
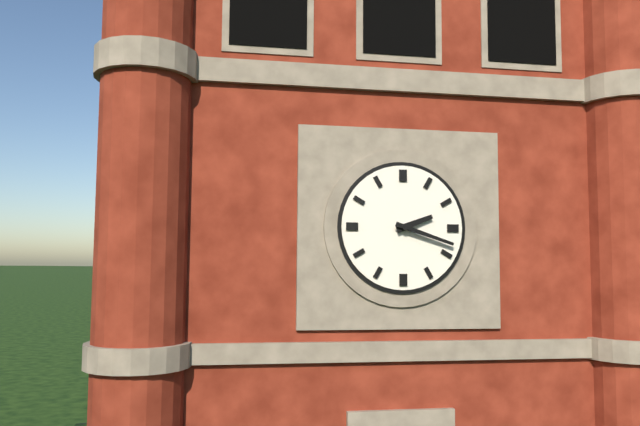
{"hour": 2, "minute": 18}
